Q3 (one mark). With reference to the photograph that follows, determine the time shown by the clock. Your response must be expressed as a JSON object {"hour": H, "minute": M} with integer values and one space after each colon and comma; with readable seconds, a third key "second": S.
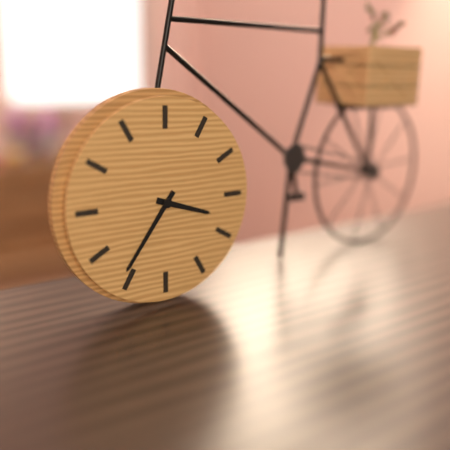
{"hour": 3, "minute": 36}
